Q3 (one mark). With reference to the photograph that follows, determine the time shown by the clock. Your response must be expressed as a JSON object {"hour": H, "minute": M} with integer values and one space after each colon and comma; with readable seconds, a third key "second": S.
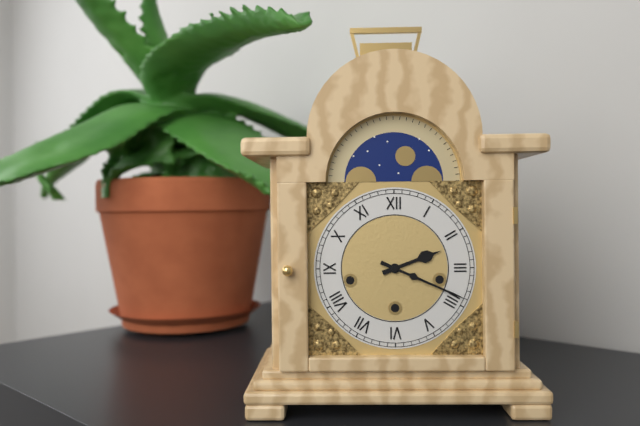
{"hour": 2, "minute": 19}
